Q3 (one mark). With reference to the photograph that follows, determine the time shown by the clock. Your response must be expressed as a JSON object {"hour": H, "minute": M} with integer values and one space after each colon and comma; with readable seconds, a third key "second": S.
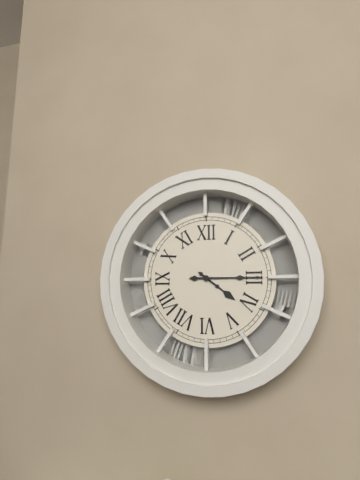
{"hour": 4, "minute": 15}
